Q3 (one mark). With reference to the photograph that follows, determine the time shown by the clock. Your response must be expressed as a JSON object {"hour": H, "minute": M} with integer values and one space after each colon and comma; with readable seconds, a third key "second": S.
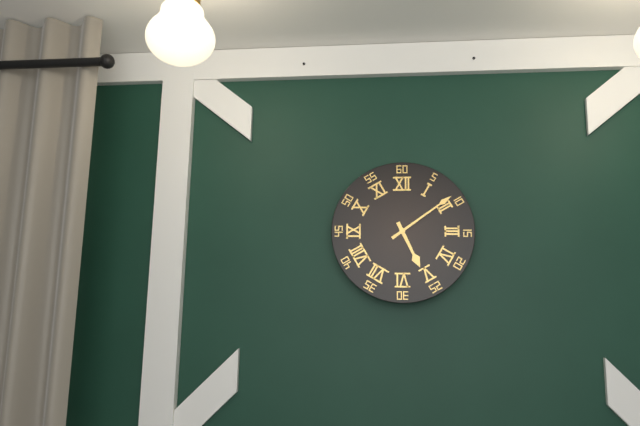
{"hour": 5, "minute": 9}
